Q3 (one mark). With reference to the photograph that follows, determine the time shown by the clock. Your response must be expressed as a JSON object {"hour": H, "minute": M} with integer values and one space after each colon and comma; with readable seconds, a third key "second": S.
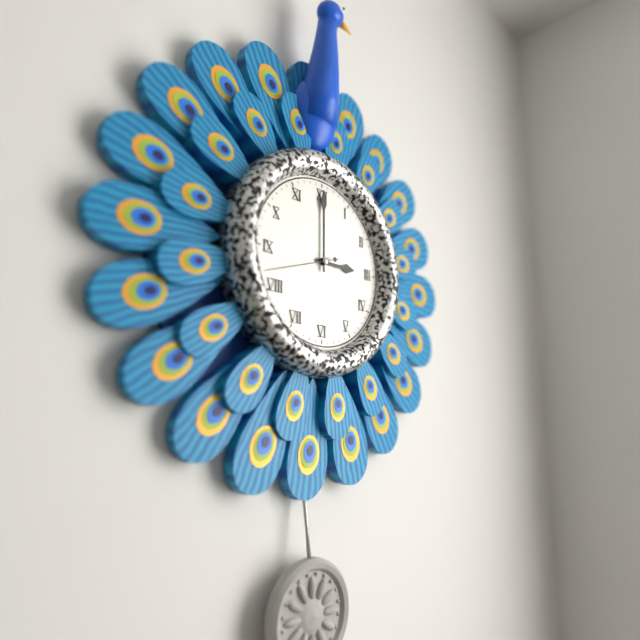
{"hour": 3, "minute": 0, "second": 42}
